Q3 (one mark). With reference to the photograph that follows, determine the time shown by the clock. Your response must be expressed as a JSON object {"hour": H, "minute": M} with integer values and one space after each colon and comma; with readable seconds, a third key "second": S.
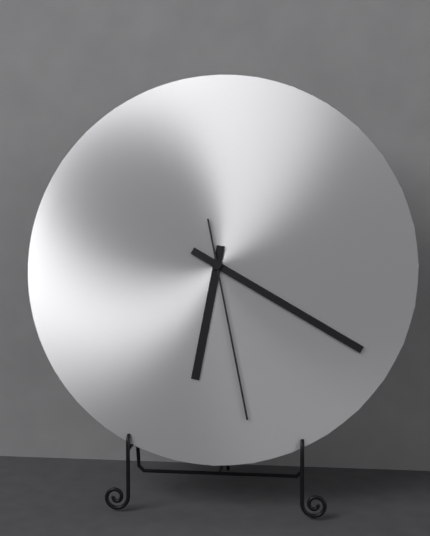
{"hour": 6, "minute": 20, "second": 28}
